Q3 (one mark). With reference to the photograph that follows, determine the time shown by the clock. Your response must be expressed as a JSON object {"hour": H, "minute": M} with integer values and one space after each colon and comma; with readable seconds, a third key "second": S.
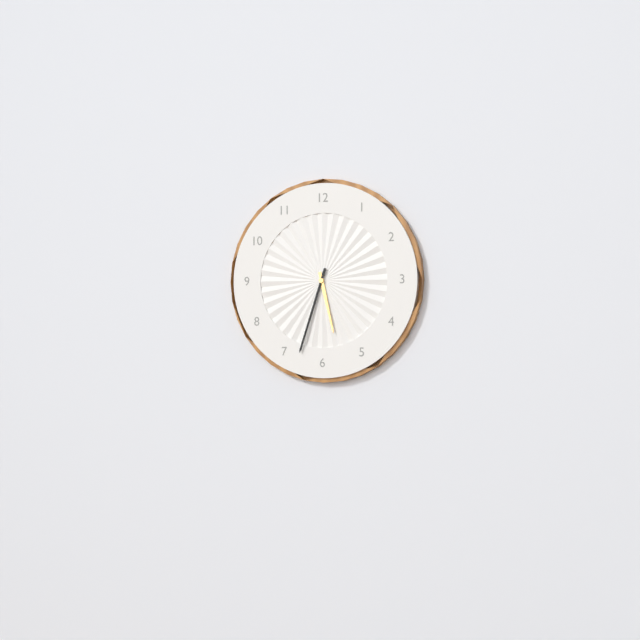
{"hour": 5, "minute": 33}
